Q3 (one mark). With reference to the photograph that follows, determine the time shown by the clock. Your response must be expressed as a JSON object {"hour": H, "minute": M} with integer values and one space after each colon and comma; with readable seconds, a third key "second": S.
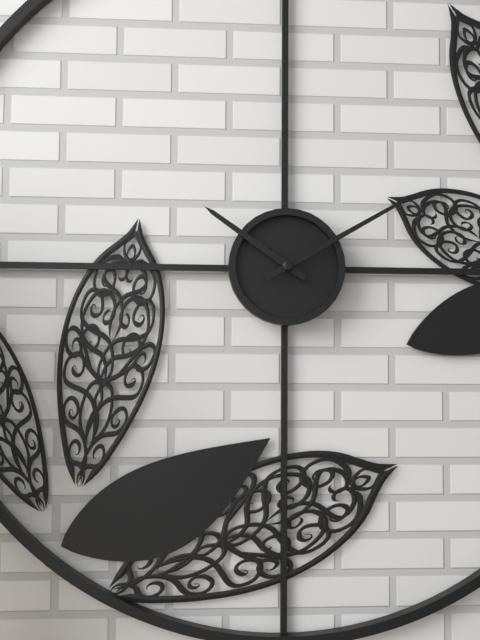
{"hour": 10, "minute": 10}
